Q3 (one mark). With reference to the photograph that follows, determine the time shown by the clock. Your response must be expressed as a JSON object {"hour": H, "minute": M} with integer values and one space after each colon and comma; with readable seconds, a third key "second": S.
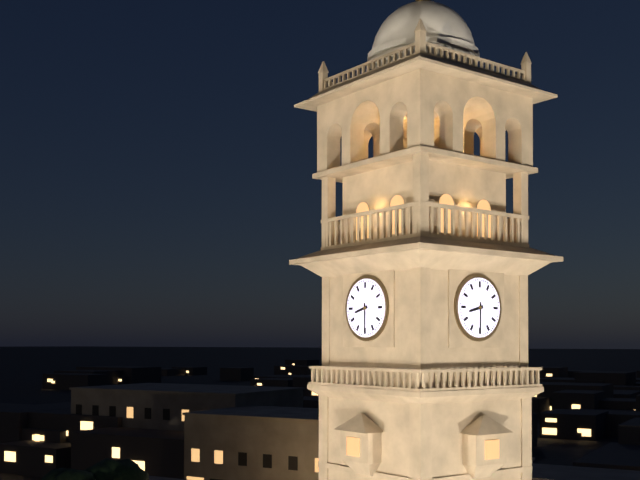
{"hour": 8, "minute": 30}
